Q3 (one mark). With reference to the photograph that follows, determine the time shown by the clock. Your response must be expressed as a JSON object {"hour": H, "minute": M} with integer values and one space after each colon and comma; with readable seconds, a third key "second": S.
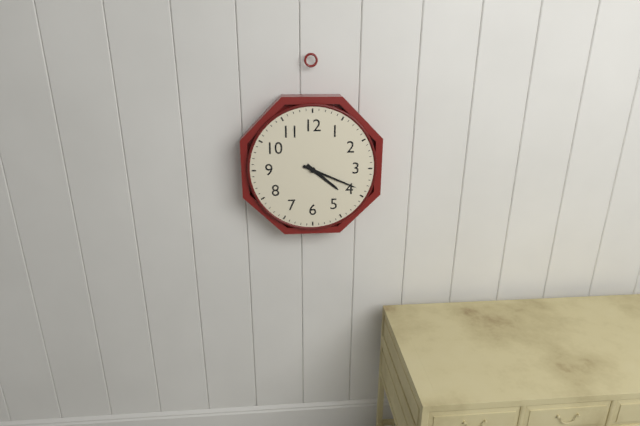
{"hour": 4, "minute": 19}
